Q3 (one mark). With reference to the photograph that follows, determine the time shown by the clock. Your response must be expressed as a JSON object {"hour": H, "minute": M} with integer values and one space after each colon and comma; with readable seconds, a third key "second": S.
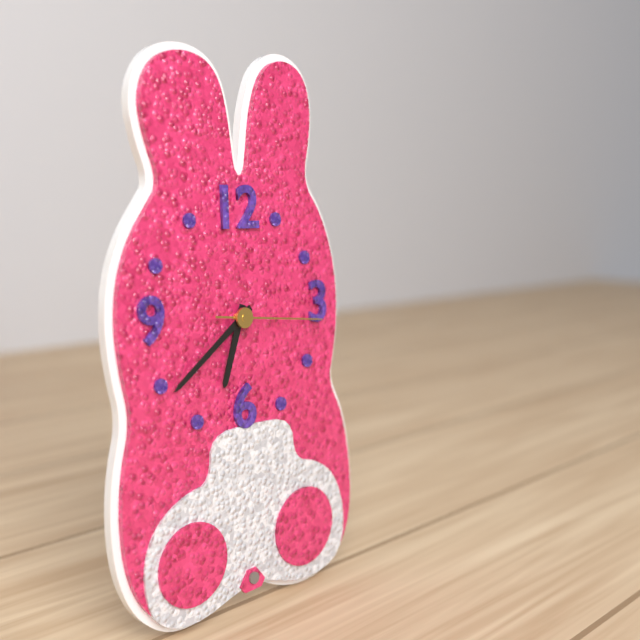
{"hour": 6, "minute": 39, "second": 16}
